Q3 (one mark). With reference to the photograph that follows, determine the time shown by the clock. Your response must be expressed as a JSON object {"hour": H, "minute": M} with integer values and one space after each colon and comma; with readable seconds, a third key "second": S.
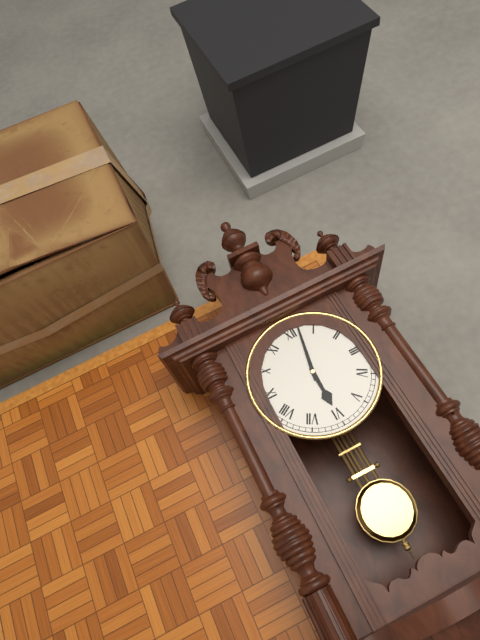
{"hour": 6, "minute": 2}
